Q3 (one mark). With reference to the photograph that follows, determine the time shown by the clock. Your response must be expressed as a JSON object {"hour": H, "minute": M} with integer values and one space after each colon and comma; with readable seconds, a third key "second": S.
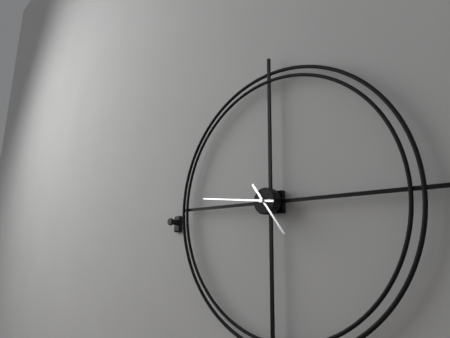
{"hour": 4, "minute": 46}
